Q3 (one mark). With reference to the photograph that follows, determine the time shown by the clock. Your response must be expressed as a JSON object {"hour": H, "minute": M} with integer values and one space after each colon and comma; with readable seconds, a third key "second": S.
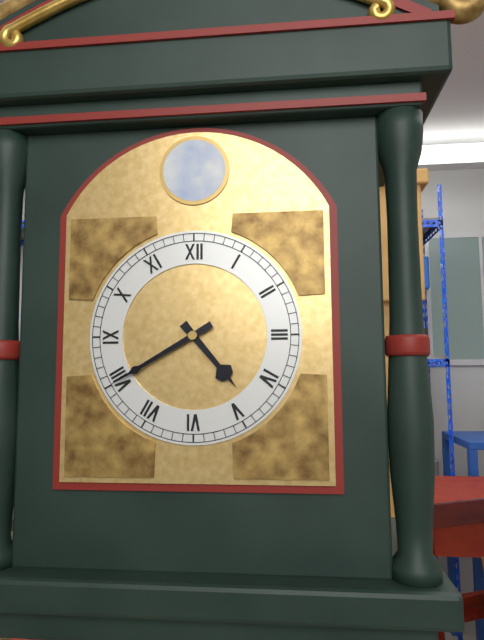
{"hour": 4, "minute": 40}
